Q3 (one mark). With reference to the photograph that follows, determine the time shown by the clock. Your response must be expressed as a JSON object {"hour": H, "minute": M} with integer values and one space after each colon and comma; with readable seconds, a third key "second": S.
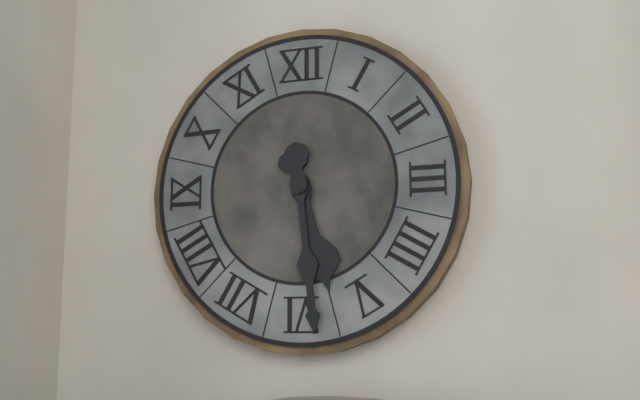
{"hour": 5, "minute": 29}
